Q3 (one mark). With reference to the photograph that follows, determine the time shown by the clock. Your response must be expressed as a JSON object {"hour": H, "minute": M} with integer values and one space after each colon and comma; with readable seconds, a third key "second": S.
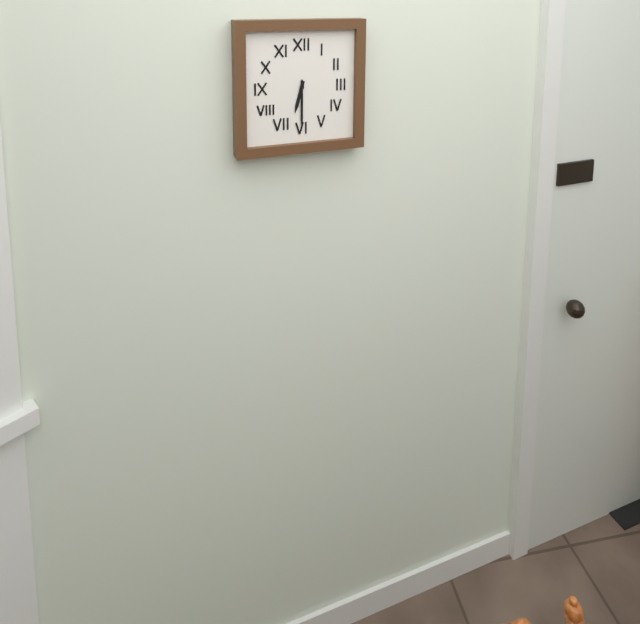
{"hour": 6, "minute": 30}
